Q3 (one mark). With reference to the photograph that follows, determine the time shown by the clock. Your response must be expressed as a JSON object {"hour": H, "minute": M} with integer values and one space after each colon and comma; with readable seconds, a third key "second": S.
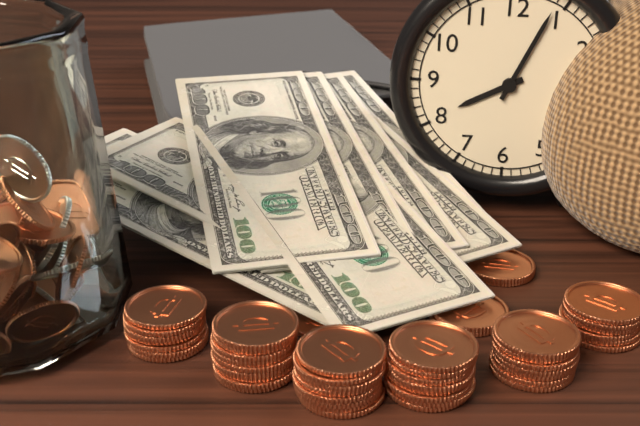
{"hour": 8, "minute": 4}
